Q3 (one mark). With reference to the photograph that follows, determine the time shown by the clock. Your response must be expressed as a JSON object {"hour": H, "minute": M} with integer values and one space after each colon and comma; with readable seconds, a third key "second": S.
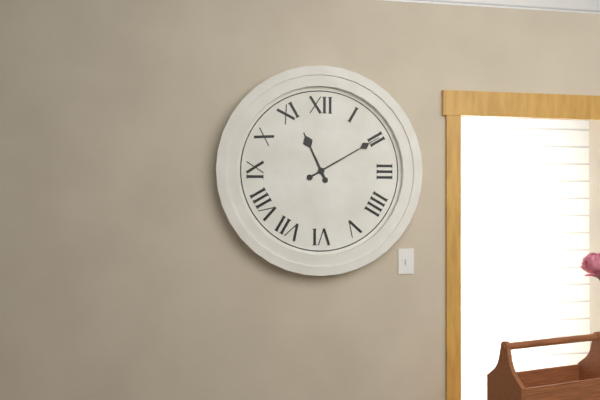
{"hour": 11, "minute": 10}
